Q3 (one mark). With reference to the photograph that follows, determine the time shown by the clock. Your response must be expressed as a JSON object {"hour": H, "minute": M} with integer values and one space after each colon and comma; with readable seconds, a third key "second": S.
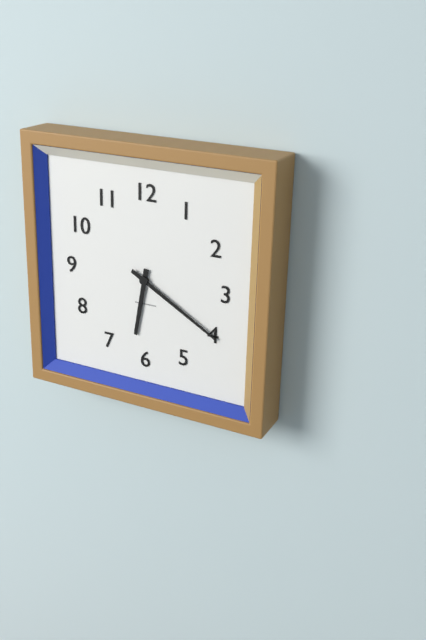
{"hour": 6, "minute": 20}
